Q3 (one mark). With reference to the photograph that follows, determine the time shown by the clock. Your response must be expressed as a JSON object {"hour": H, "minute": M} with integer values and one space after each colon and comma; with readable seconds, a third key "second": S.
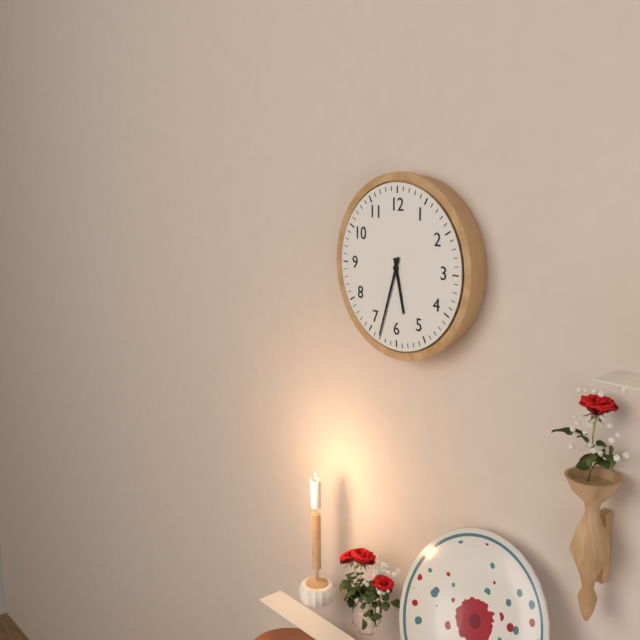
{"hour": 5, "minute": 33}
